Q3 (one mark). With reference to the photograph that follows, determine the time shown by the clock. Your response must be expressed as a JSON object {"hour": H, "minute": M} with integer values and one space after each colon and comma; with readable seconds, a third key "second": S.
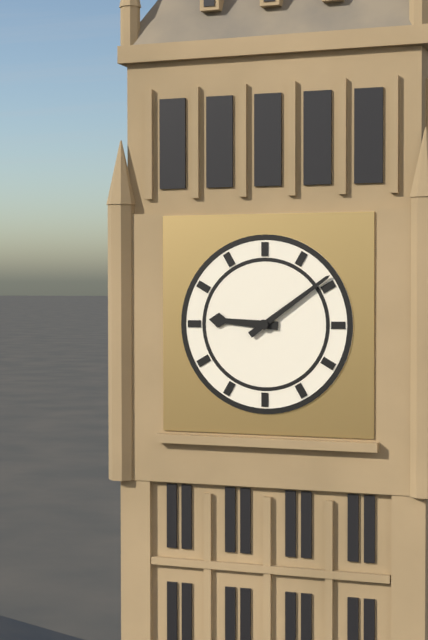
{"hour": 9, "minute": 9}
